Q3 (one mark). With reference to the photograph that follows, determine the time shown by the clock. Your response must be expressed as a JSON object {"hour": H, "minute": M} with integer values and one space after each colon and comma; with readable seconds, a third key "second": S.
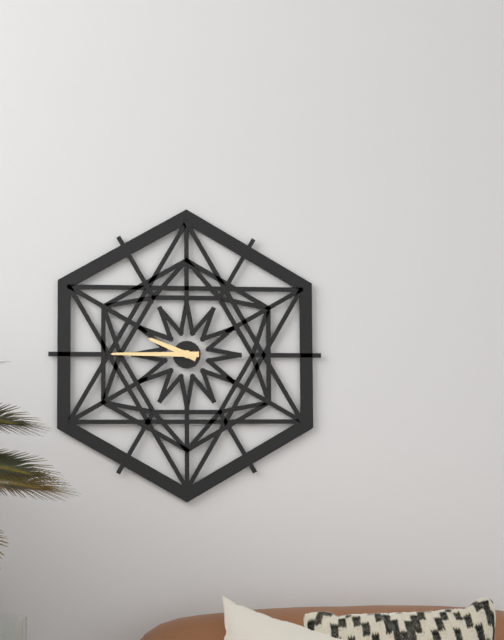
{"hour": 9, "minute": 45}
